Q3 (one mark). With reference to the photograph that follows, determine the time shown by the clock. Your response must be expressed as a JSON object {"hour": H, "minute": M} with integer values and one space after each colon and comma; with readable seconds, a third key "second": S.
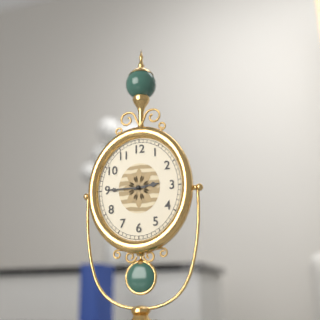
{"hour": 2, "minute": 45}
